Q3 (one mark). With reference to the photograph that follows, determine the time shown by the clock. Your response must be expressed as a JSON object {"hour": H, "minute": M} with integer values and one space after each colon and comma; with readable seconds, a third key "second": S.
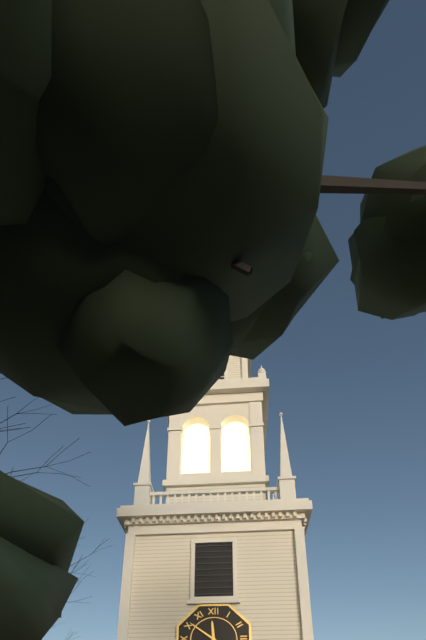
{"hour": 11, "minute": 51}
